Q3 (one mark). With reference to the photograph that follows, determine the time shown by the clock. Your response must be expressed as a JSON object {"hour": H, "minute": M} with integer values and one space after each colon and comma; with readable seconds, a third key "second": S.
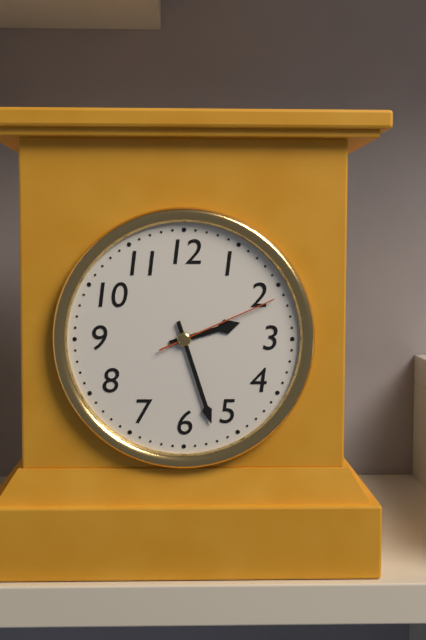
{"hour": 2, "minute": 27, "second": 11}
